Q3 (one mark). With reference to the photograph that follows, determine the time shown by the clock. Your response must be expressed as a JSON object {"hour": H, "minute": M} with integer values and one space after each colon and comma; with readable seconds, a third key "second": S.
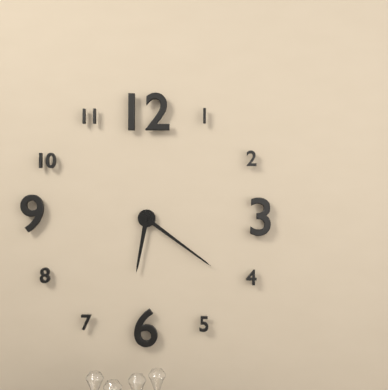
{"hour": 6, "minute": 21}
